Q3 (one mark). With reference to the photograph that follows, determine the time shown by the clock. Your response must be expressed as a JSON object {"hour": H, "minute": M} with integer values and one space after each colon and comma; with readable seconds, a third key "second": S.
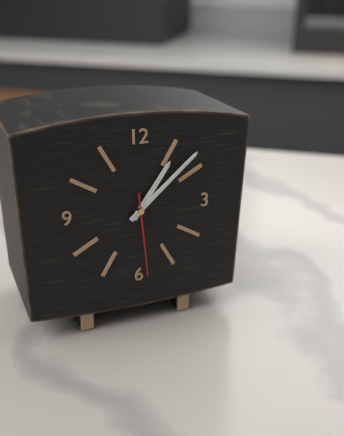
{"hour": 1, "minute": 8, "second": 29}
